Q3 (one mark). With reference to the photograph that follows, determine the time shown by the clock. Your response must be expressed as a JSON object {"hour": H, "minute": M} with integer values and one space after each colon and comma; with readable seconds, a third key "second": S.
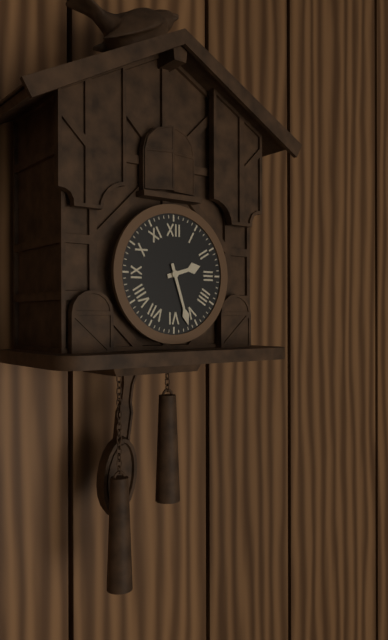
{"hour": 2, "minute": 27}
